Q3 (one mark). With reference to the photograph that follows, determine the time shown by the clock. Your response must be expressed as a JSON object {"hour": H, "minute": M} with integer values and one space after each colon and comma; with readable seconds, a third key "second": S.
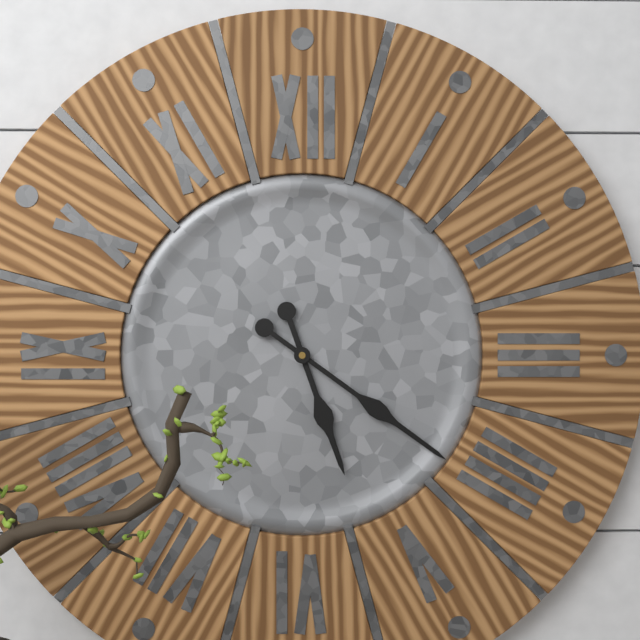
{"hour": 5, "minute": 21}
